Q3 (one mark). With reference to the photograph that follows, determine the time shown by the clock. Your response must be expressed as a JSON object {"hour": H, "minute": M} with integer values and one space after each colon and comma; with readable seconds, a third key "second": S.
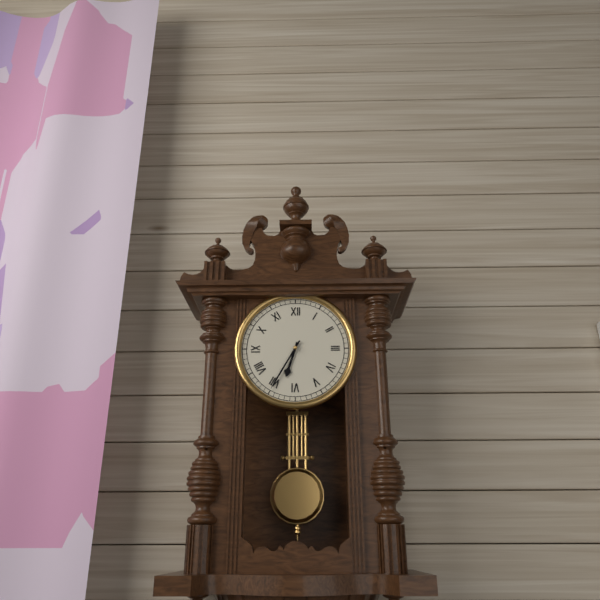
{"hour": 6, "minute": 35}
